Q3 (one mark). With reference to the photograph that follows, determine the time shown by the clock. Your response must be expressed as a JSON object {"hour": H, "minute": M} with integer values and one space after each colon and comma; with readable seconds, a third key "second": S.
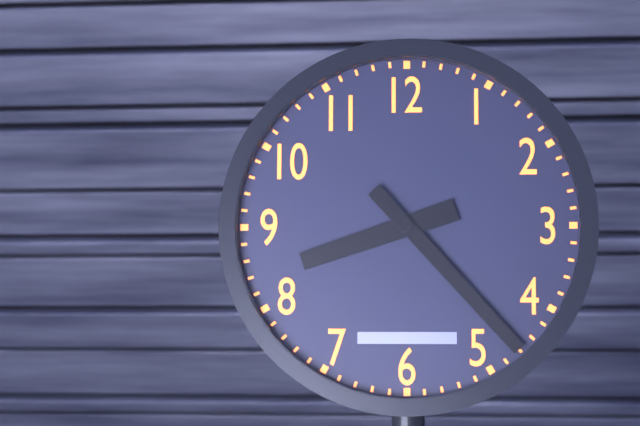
{"hour": 8, "minute": 23}
